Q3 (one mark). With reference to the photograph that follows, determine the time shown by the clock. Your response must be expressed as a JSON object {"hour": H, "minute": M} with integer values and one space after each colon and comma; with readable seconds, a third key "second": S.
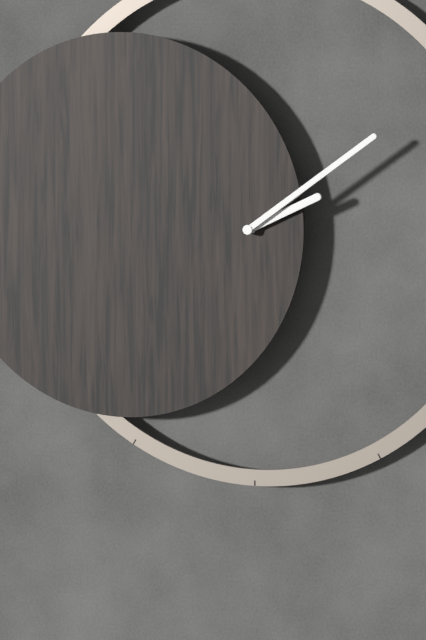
{"hour": 2, "minute": 9}
